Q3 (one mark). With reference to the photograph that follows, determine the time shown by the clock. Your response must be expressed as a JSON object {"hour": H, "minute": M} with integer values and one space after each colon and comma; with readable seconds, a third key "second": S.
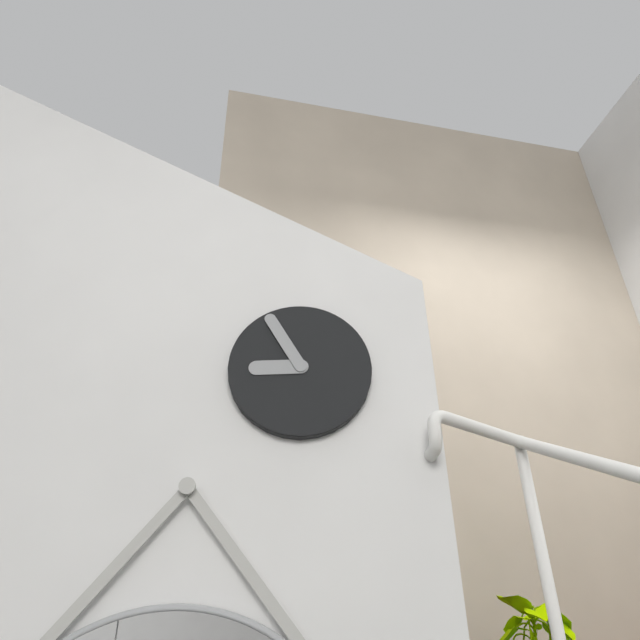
{"hour": 8, "minute": 55}
